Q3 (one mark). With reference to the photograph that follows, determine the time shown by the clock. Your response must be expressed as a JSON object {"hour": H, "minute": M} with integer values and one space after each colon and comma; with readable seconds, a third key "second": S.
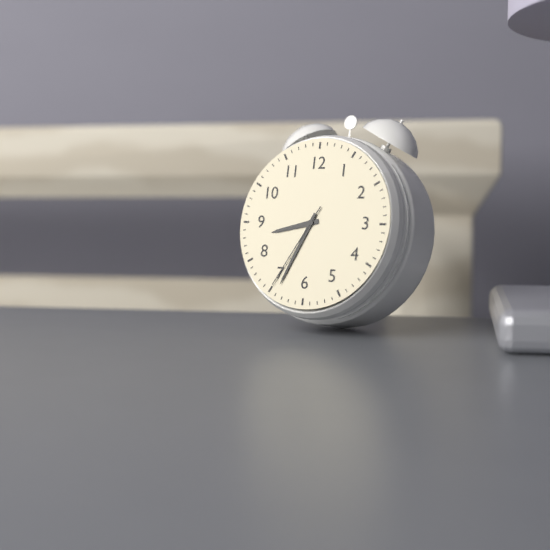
{"hour": 8, "minute": 34, "second": 35}
